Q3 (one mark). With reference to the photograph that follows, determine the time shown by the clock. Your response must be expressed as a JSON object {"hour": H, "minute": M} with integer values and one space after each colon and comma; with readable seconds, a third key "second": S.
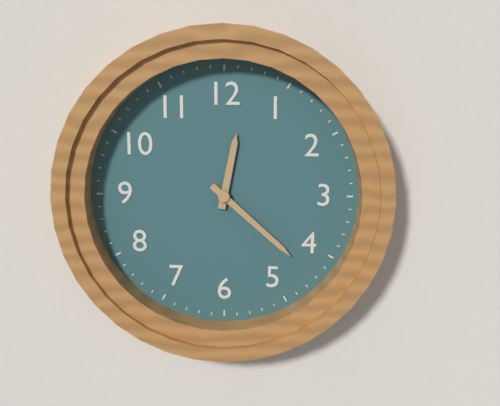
{"hour": 12, "minute": 22}
